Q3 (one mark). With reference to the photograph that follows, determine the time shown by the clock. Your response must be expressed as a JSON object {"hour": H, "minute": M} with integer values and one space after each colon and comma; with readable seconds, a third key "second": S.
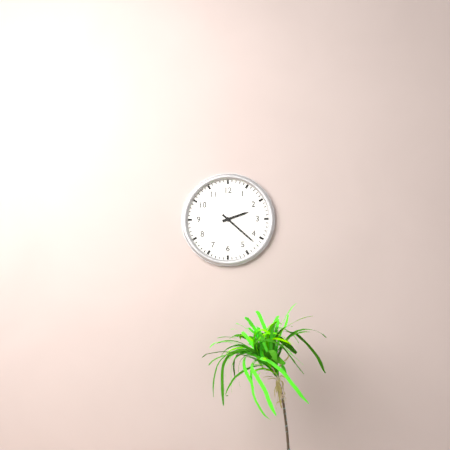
{"hour": 2, "minute": 22}
